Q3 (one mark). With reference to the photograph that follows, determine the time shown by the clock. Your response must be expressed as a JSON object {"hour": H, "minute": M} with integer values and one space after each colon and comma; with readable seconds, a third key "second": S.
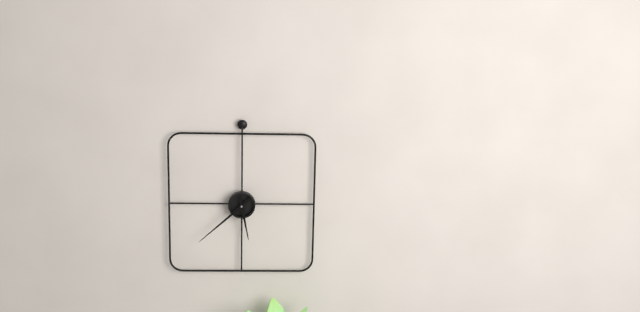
{"hour": 5, "minute": 38}
